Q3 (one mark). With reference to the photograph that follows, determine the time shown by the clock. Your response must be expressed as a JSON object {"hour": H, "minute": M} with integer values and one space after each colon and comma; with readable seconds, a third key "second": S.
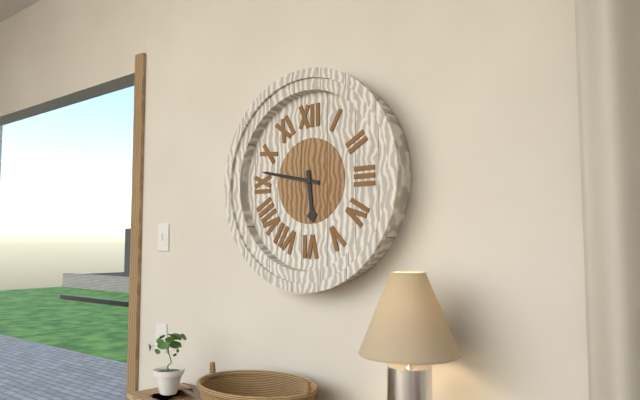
{"hour": 5, "minute": 47}
